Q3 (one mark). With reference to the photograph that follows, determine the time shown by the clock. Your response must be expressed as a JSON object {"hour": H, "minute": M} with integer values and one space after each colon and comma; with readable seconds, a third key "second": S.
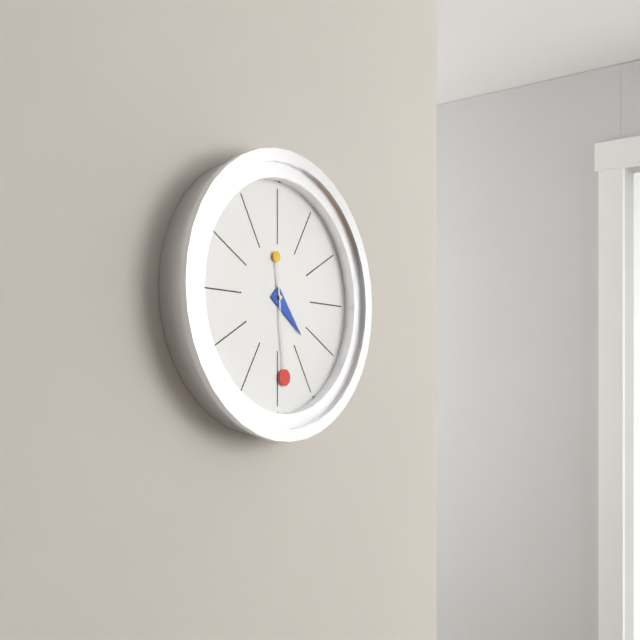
{"hour": 4, "minute": 29}
